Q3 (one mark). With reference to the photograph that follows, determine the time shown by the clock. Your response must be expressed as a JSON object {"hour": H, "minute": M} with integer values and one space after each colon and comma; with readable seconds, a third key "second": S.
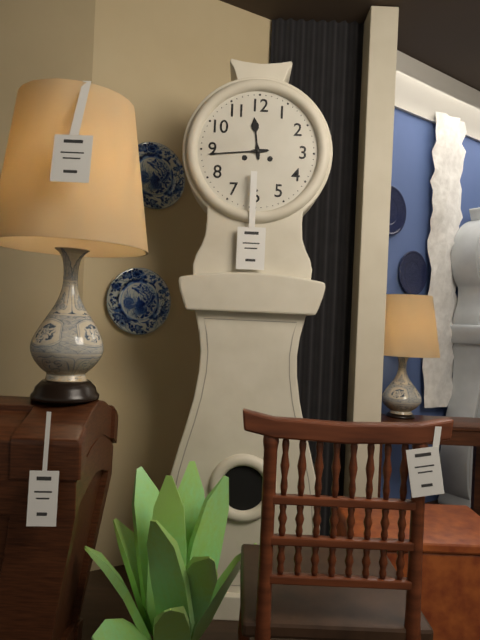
{"hour": 11, "minute": 44}
